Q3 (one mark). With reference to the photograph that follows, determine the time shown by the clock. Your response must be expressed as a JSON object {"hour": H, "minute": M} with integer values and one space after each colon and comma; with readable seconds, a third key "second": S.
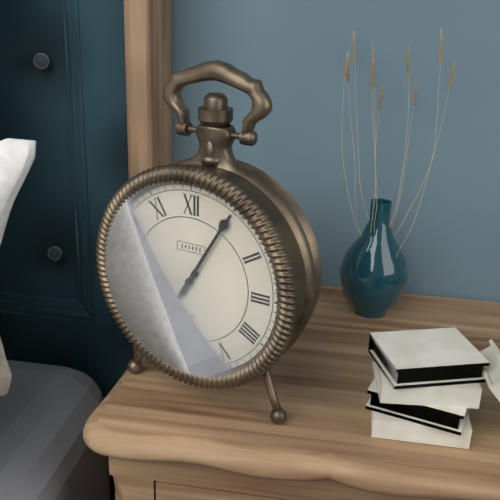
{"hour": 7, "minute": 5}
